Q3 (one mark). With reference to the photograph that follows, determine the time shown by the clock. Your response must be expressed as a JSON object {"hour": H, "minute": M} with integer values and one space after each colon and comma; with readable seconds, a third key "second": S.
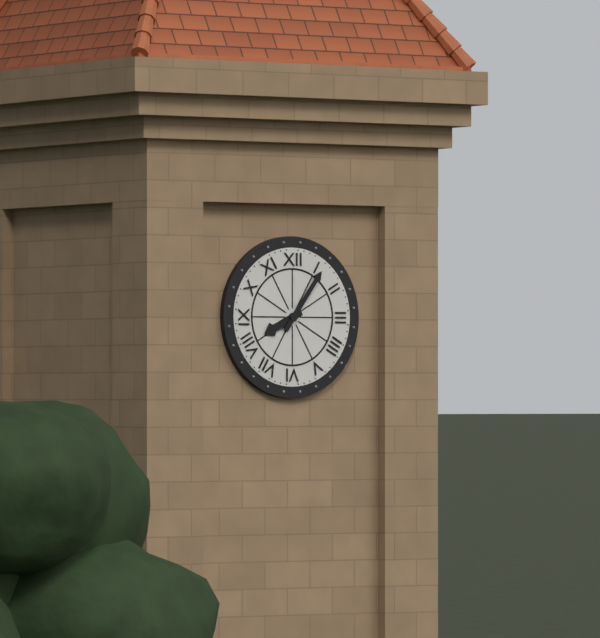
{"hour": 8, "minute": 6}
